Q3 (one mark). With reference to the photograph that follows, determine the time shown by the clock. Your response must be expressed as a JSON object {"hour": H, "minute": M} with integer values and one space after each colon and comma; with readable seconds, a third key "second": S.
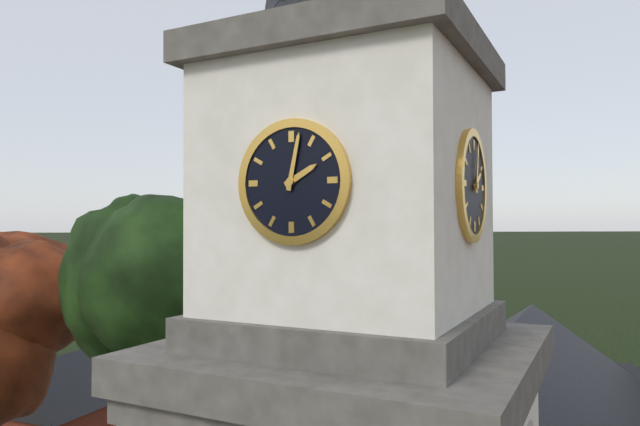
{"hour": 2, "minute": 2}
